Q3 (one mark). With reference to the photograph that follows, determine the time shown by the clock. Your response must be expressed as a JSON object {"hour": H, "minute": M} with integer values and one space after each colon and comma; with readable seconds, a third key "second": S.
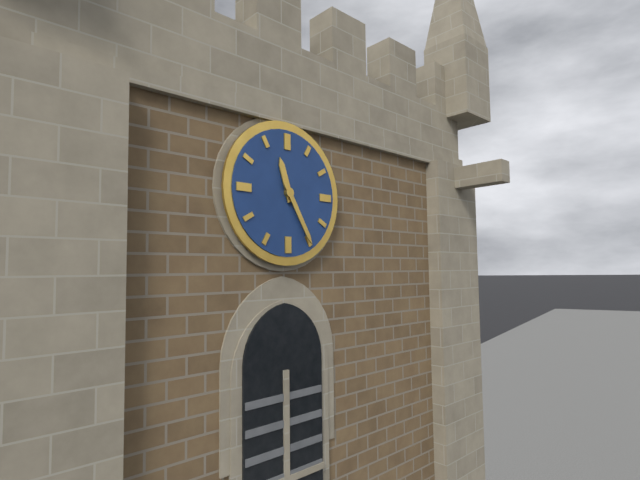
{"hour": 11, "minute": 25}
